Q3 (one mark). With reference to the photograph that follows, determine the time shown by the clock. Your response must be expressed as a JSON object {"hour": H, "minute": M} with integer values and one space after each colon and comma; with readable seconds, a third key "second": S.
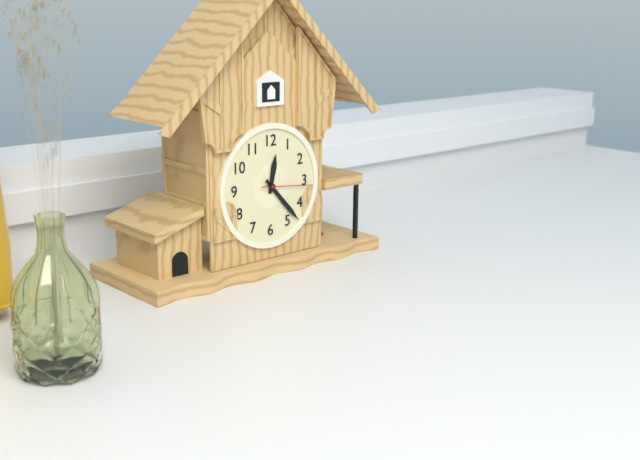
{"hour": 12, "minute": 23, "second": 16}
